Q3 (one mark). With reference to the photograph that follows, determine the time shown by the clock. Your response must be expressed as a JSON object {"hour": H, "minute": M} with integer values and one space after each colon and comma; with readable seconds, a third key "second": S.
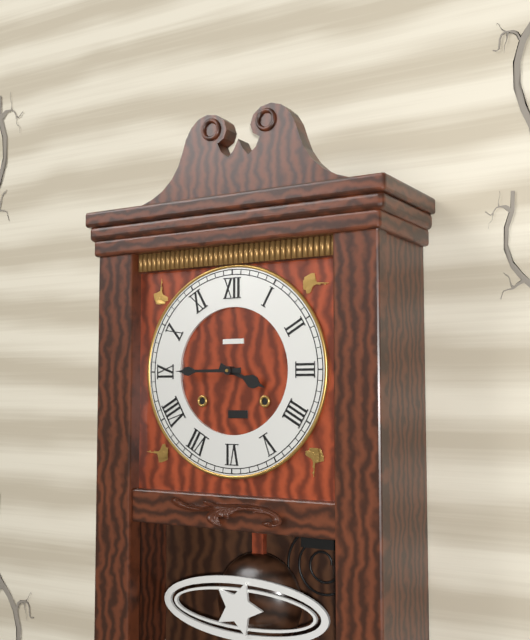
{"hour": 3, "minute": 45}
